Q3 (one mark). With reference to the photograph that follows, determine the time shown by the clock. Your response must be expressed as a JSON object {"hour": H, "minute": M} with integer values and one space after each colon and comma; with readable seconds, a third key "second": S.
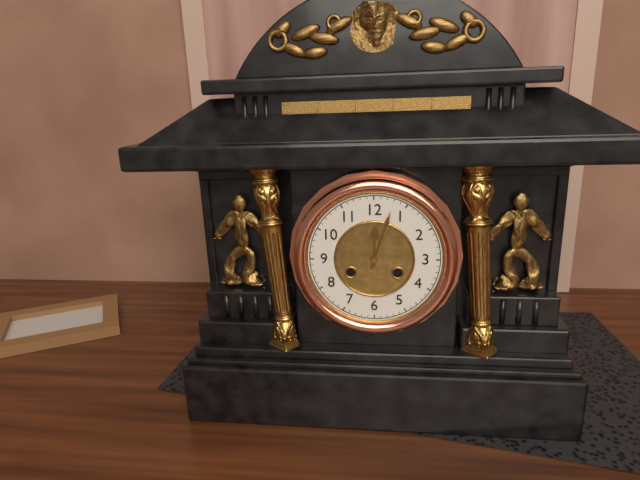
{"hour": 12, "minute": 3}
